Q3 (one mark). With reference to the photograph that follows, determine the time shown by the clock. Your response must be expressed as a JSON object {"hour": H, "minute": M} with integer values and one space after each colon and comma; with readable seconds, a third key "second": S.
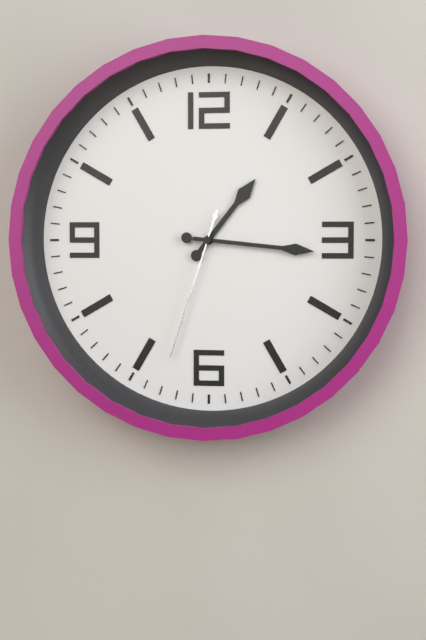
{"hour": 1, "minute": 16, "second": 33}
